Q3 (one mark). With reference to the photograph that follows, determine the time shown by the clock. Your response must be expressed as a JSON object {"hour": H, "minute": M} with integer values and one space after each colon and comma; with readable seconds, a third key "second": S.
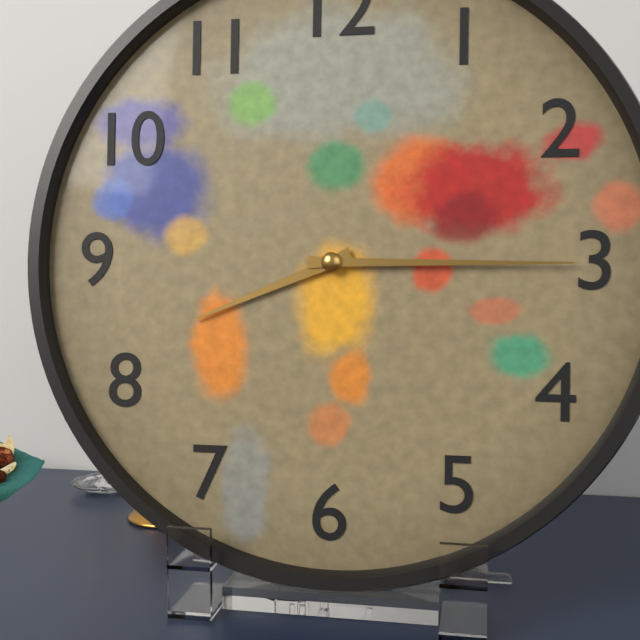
{"hour": 8, "minute": 15}
